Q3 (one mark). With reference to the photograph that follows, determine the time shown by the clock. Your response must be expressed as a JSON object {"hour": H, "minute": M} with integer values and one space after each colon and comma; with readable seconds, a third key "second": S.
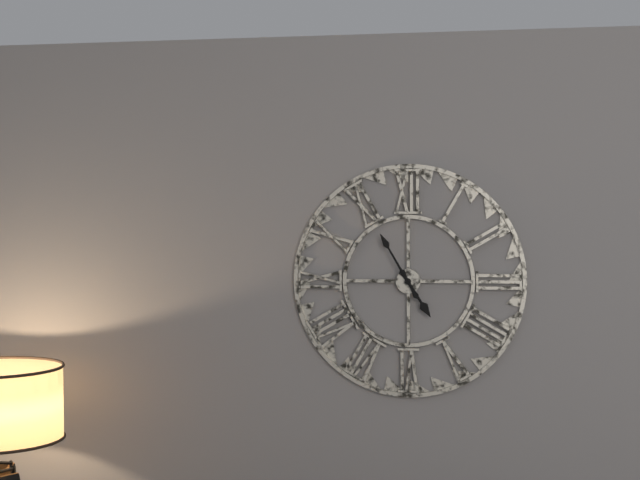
{"hour": 4, "minute": 55}
